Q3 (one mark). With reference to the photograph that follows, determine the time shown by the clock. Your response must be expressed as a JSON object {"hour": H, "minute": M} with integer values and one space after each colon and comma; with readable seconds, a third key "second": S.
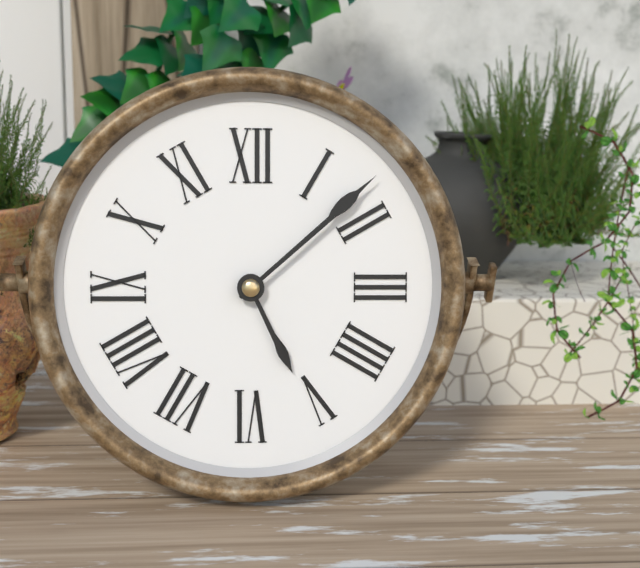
{"hour": 5, "minute": 8}
